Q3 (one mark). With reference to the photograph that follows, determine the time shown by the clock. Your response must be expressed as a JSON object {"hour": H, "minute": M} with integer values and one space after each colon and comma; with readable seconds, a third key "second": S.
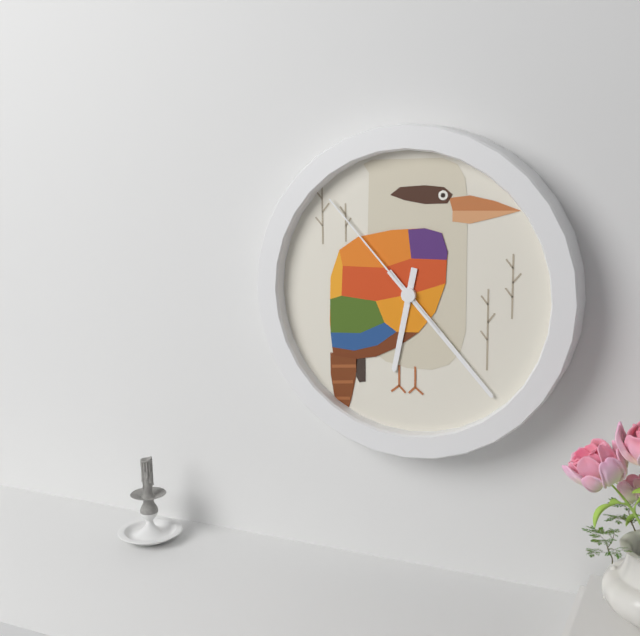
{"hour": 6, "minute": 23, "second": 53}
